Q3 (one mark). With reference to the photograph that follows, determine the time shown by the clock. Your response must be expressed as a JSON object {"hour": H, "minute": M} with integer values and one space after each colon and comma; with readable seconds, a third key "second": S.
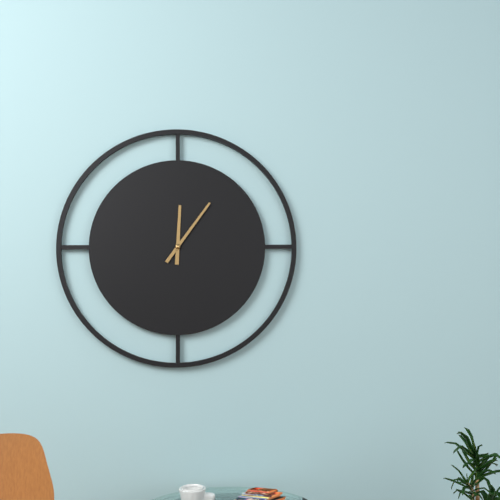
{"hour": 12, "minute": 6}
